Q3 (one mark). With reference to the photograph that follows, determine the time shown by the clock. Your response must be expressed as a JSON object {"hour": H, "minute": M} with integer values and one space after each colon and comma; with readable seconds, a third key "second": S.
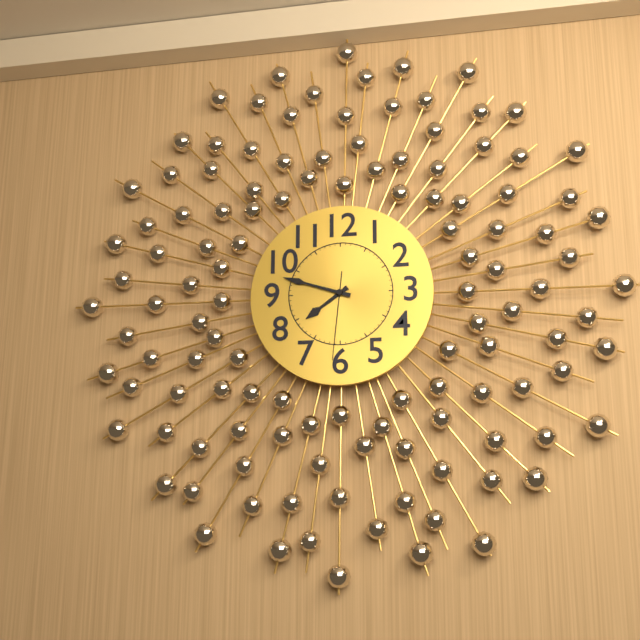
{"hour": 7, "minute": 48, "second": 31}
